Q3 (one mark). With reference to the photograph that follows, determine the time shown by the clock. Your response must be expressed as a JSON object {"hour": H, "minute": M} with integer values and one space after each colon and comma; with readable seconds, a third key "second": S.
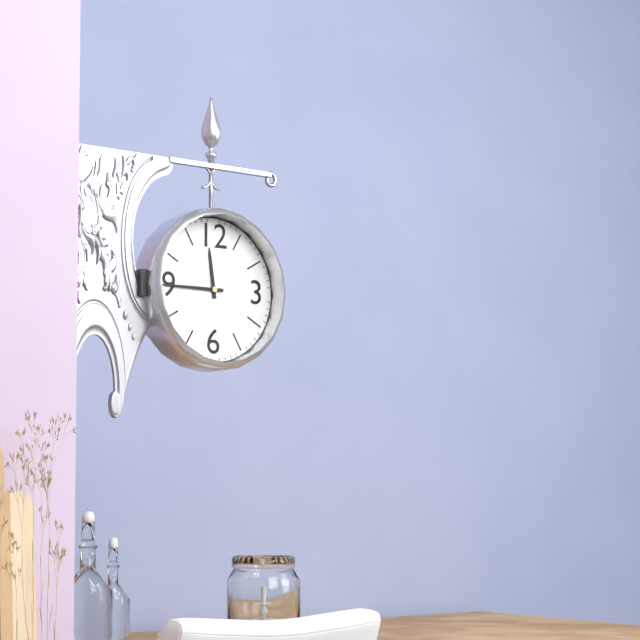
{"hour": 11, "minute": 45}
